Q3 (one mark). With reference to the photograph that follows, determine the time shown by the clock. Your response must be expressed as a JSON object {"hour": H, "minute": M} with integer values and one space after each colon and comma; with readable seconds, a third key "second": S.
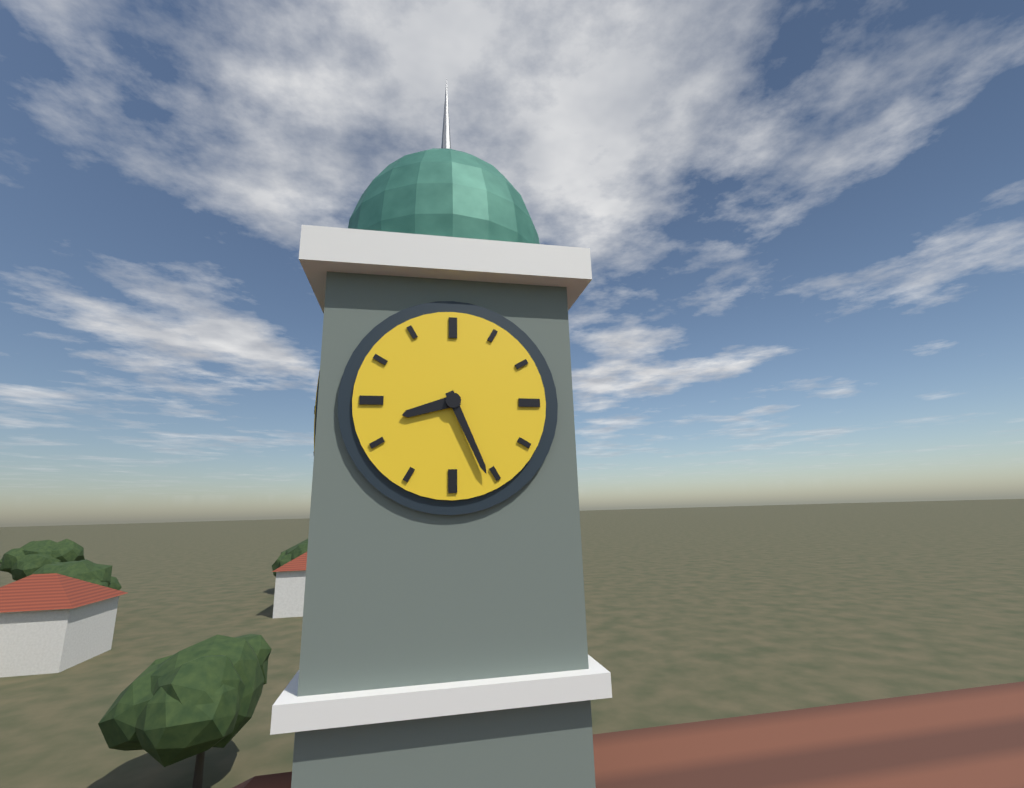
{"hour": 8, "minute": 26}
